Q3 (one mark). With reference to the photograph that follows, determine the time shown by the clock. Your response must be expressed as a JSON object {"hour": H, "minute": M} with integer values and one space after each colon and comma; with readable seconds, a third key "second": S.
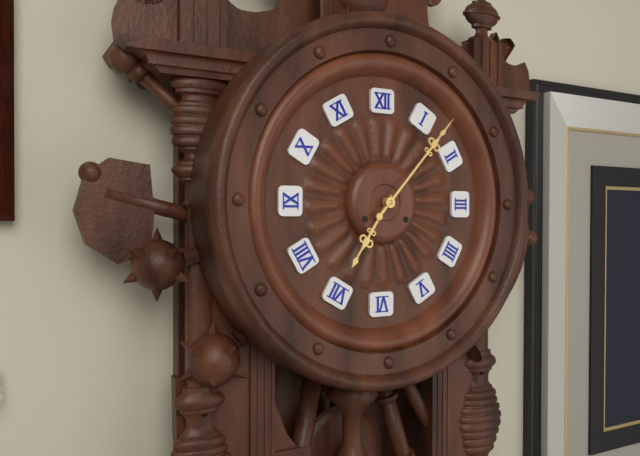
{"hour": 7, "minute": 7}
